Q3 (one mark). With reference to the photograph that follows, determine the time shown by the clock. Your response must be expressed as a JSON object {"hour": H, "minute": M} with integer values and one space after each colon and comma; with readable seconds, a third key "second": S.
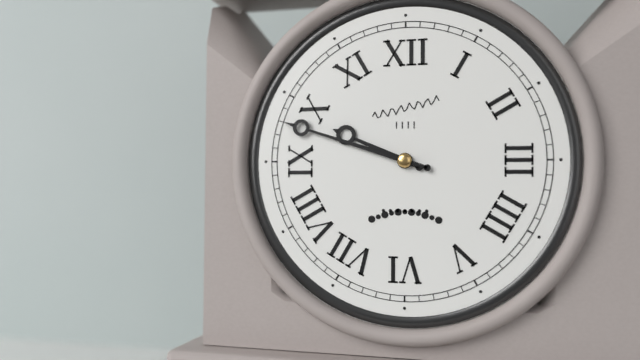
{"hour": 9, "minute": 48}
